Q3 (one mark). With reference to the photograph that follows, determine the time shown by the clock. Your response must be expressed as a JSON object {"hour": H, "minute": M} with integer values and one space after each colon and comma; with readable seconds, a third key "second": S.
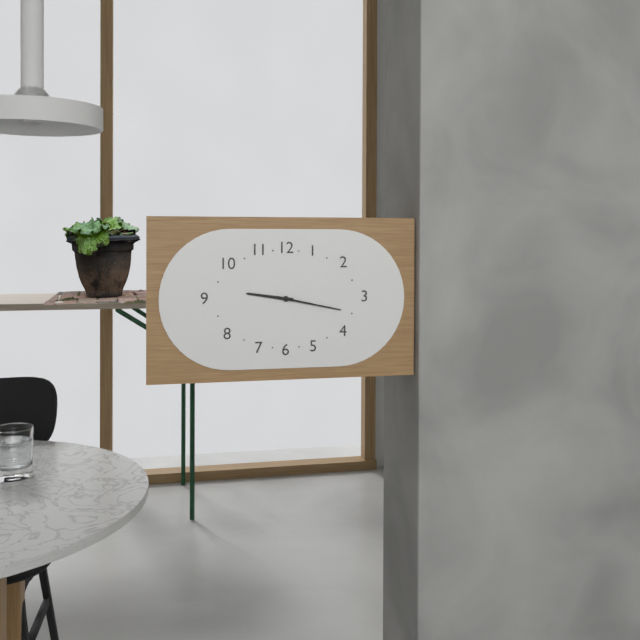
{"hour": 9, "minute": 17}
